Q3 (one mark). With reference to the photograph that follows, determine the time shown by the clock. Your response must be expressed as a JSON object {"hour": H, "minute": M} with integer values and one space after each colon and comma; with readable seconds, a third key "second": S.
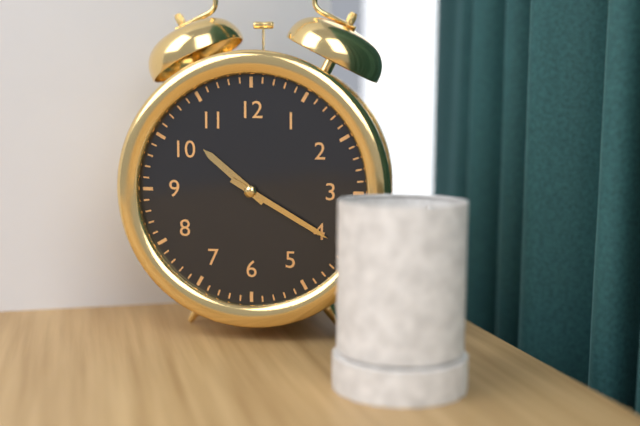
{"hour": 10, "minute": 20}
